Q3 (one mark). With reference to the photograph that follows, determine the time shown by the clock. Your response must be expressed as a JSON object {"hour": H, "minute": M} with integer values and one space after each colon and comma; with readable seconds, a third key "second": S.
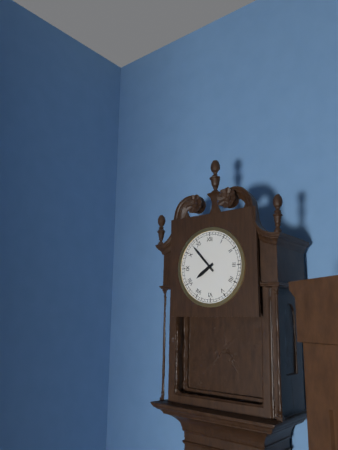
{"hour": 7, "minute": 53}
